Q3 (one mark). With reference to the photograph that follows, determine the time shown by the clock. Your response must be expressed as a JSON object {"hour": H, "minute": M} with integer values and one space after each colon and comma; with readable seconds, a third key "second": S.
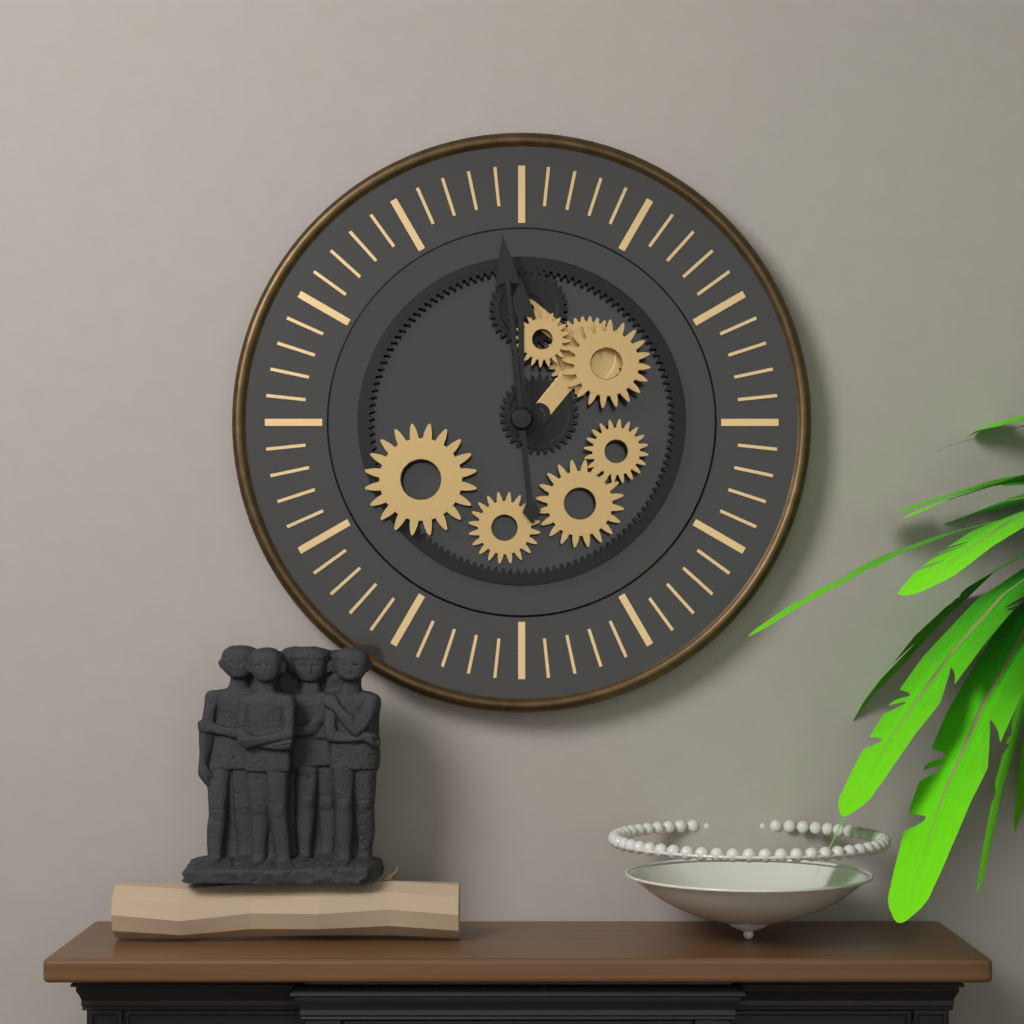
{"hour": 11, "minute": 59}
